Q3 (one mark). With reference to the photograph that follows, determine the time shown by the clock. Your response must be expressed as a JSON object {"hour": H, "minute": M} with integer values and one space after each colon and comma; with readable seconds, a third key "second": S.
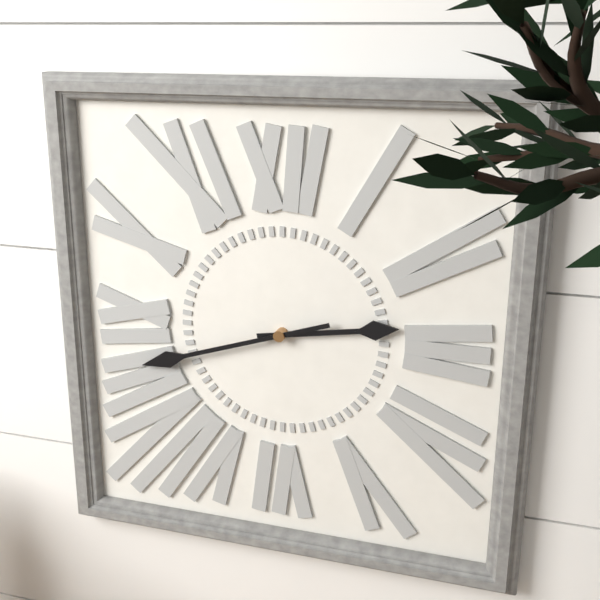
{"hour": 2, "minute": 42}
